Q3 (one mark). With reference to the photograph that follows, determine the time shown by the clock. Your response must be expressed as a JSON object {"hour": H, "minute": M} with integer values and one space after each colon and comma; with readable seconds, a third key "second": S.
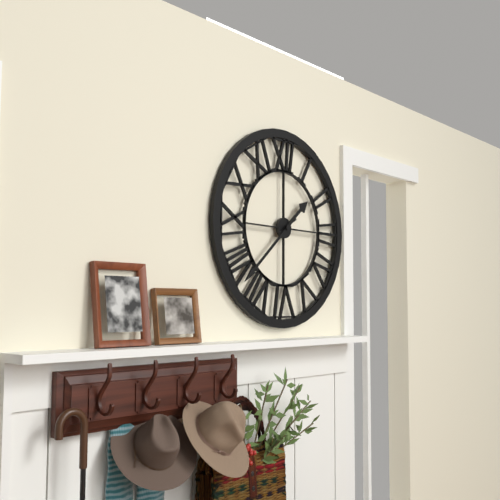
{"hour": 1, "minute": 38}
